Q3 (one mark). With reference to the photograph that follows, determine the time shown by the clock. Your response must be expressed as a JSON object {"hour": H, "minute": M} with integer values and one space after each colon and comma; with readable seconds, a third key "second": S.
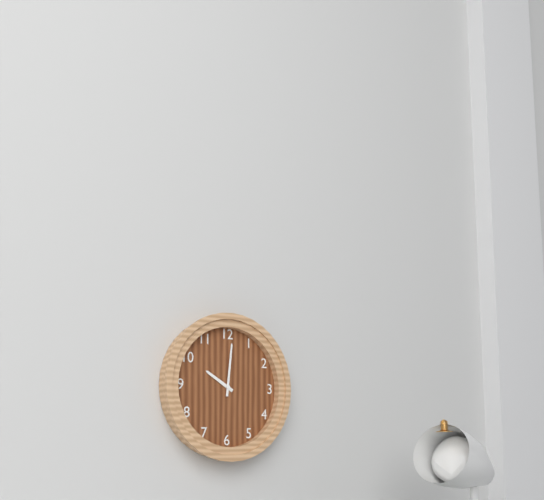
{"hour": 10, "minute": 1}
